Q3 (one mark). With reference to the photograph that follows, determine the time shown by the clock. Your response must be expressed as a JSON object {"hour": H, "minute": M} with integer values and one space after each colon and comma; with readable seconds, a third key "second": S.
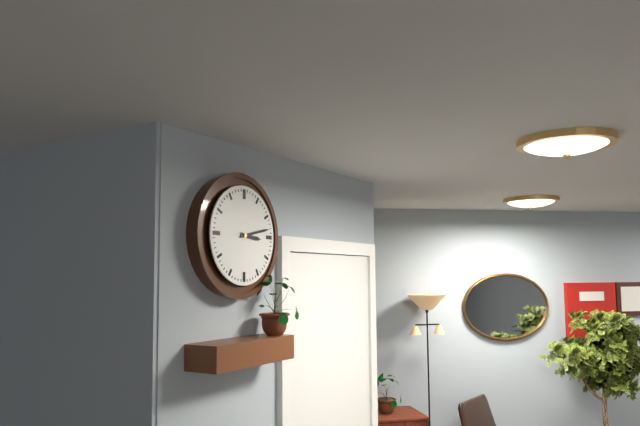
{"hour": 3, "minute": 13}
